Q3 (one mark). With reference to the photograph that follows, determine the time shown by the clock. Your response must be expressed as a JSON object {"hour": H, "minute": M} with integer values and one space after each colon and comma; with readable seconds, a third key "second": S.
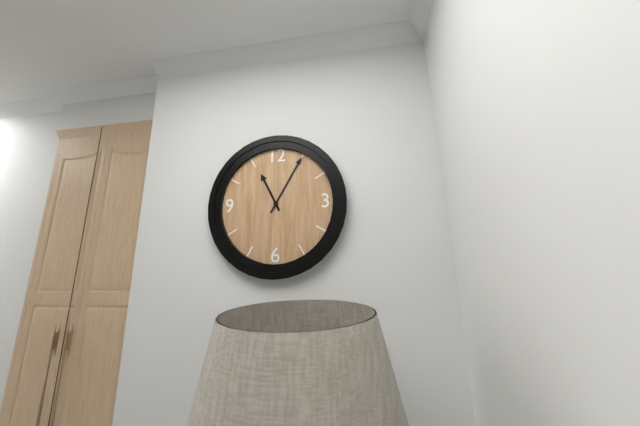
{"hour": 11, "minute": 5}
